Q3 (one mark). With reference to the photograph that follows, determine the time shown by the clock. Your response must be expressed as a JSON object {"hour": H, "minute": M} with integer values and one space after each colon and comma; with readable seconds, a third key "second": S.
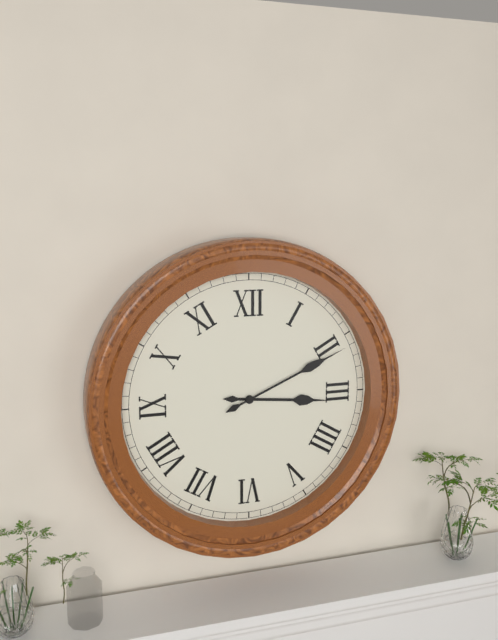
{"hour": 3, "minute": 11}
